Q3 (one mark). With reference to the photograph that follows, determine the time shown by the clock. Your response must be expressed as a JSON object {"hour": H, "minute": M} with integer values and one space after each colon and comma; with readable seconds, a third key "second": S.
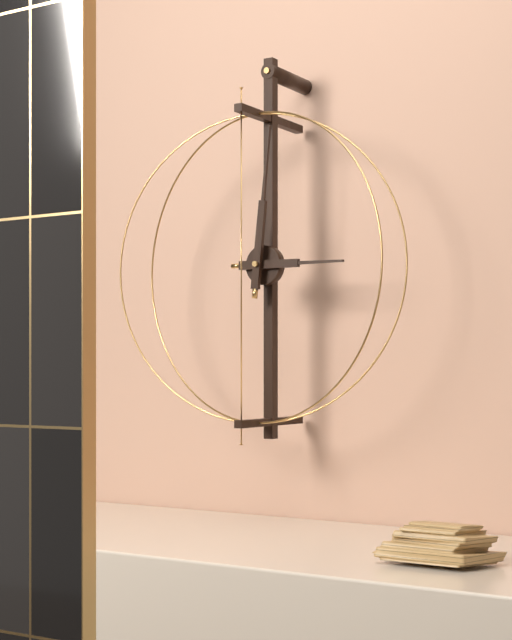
{"hour": 3, "minute": 1}
